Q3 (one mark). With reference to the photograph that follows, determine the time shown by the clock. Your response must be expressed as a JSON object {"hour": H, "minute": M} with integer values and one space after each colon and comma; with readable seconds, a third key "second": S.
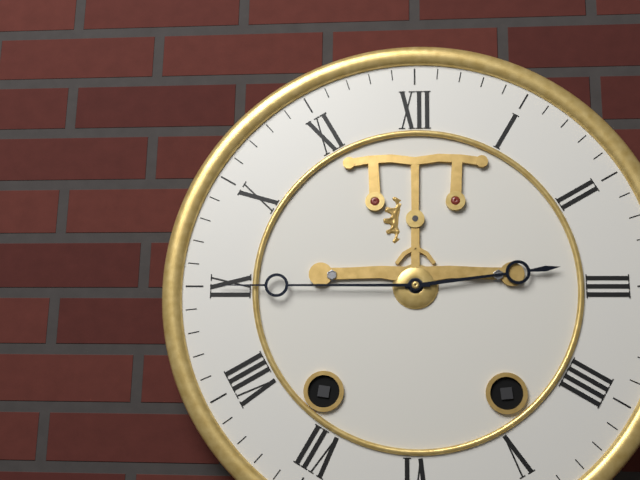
{"hour": 2, "minute": 45}
